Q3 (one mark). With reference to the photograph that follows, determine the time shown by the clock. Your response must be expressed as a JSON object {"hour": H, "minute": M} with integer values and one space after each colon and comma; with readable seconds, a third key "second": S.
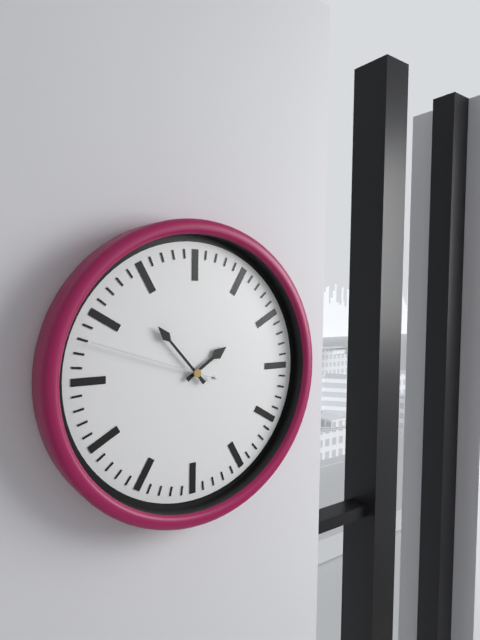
{"hour": 1, "minute": 53, "second": 48}
